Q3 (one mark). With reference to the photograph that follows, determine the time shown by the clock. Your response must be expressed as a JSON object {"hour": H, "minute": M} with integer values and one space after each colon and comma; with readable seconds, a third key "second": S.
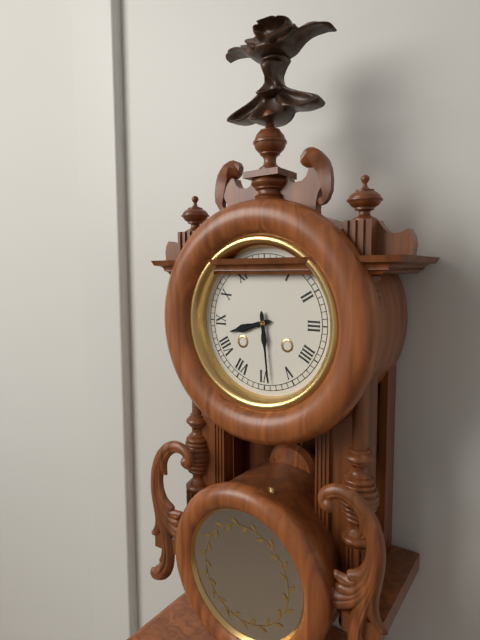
{"hour": 8, "minute": 29}
